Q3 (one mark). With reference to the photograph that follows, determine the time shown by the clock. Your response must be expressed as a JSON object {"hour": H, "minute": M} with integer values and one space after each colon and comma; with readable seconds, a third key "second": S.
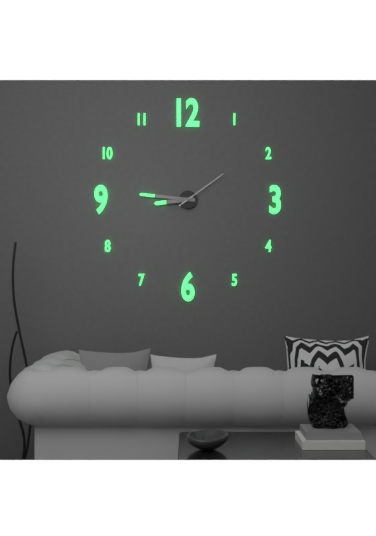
{"hour": 8, "minute": 46, "second": 9}
